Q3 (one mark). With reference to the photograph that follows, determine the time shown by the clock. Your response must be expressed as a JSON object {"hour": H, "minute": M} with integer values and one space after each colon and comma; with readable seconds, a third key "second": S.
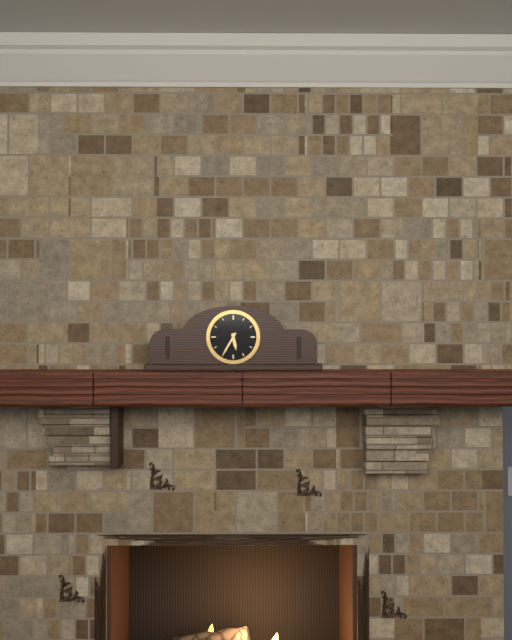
{"hour": 5, "minute": 35}
